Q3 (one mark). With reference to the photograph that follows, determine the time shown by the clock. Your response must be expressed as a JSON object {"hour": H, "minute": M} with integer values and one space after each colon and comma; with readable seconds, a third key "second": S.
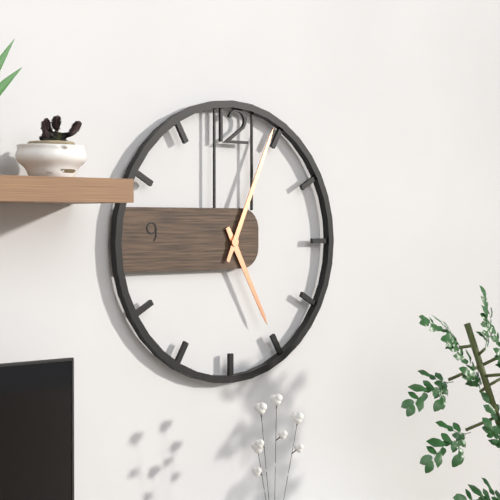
{"hour": 5, "minute": 4}
